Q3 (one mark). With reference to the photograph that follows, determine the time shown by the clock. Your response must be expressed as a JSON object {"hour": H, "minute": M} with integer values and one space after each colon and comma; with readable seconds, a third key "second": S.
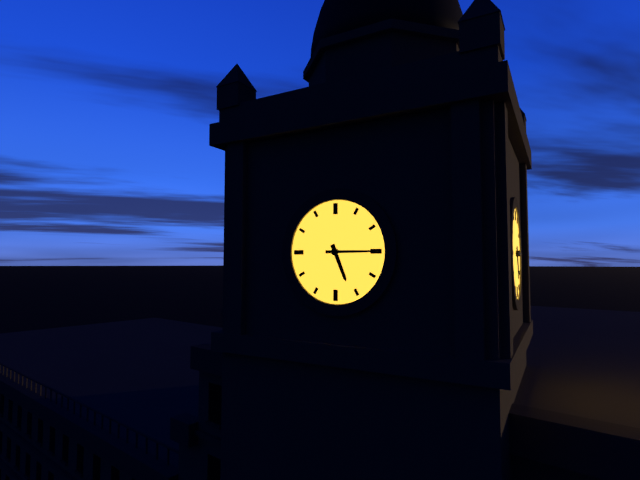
{"hour": 5, "minute": 15}
